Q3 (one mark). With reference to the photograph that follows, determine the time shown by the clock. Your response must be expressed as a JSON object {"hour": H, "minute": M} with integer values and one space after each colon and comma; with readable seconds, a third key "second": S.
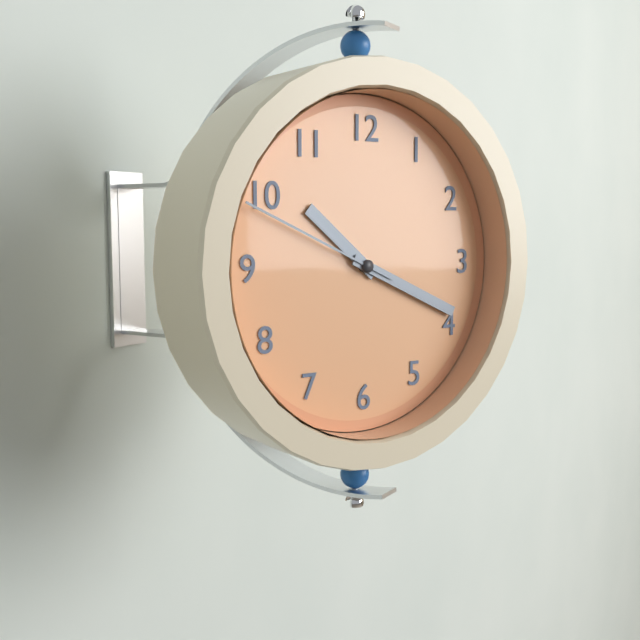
{"hour": 10, "minute": 19, "second": 49}
